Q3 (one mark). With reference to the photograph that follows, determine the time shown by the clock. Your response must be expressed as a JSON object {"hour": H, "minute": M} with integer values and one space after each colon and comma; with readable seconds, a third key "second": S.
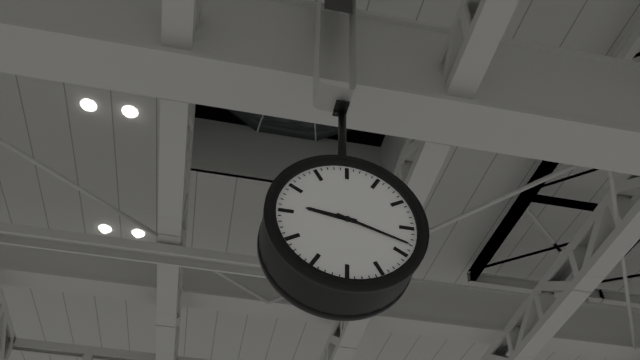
{"hour": 9, "minute": 18}
